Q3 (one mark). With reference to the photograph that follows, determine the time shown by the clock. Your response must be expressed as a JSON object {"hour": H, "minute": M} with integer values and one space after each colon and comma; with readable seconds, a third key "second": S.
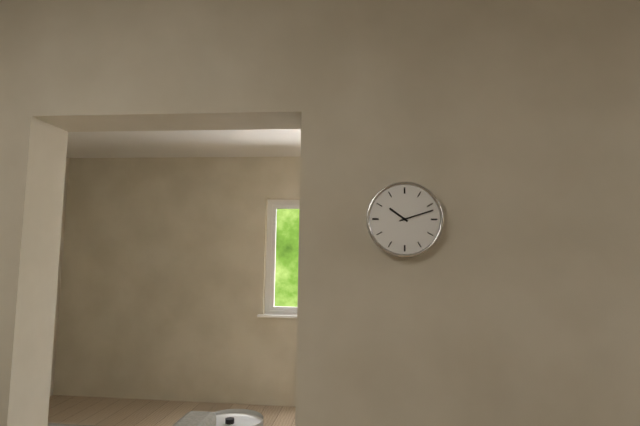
{"hour": 10, "minute": 12}
